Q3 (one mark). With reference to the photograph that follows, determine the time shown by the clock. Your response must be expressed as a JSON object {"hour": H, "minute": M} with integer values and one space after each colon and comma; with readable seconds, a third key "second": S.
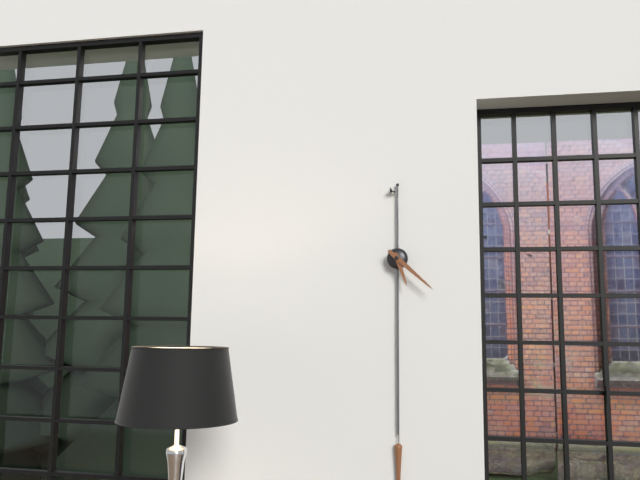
{"hour": 5, "minute": 22}
